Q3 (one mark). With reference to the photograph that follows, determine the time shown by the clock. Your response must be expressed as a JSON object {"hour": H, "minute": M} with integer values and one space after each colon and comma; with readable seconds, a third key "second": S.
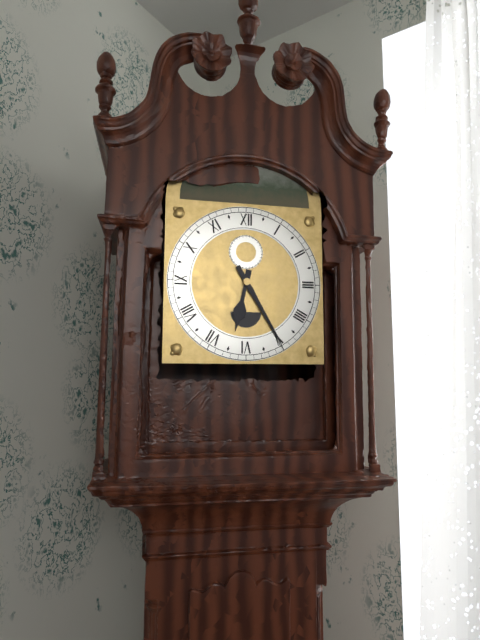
{"hour": 6, "minute": 25}
